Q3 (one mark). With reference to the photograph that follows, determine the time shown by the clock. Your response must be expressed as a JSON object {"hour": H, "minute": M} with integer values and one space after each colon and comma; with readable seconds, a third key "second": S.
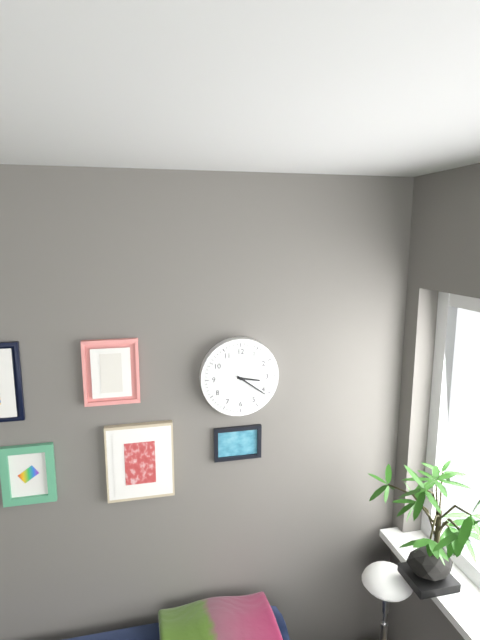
{"hour": 3, "minute": 21}
